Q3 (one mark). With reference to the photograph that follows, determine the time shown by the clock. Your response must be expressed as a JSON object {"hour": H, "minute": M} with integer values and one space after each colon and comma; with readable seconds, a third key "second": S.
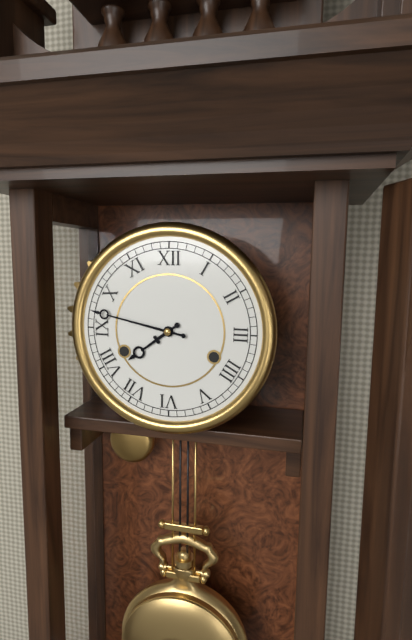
{"hour": 7, "minute": 47}
